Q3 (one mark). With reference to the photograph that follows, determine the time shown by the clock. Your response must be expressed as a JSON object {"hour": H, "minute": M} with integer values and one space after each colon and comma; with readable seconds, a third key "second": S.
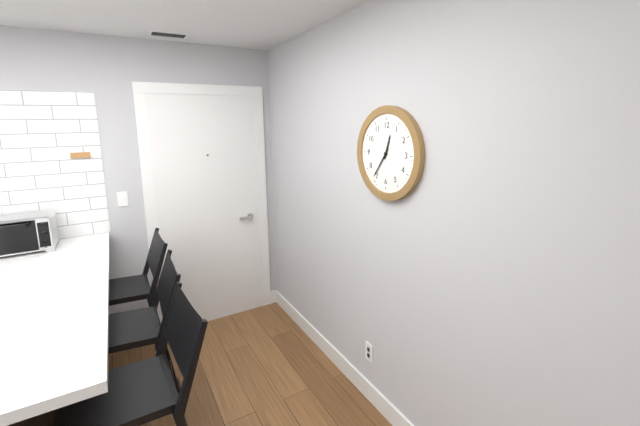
{"hour": 12, "minute": 36}
